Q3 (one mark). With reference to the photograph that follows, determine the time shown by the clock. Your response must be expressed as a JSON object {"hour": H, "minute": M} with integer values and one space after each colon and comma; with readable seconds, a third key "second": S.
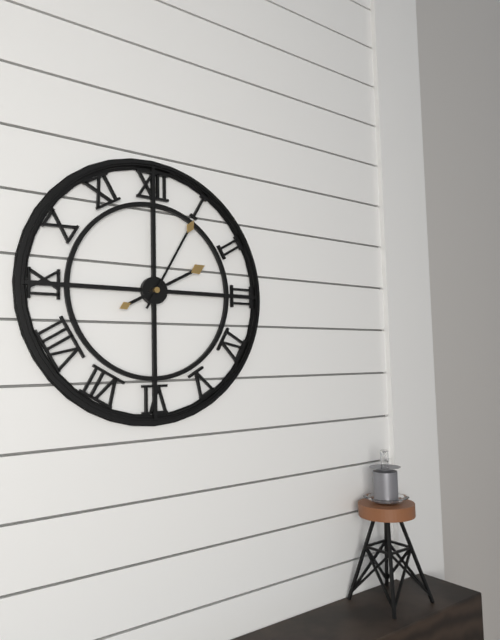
{"hour": 2, "minute": 5}
